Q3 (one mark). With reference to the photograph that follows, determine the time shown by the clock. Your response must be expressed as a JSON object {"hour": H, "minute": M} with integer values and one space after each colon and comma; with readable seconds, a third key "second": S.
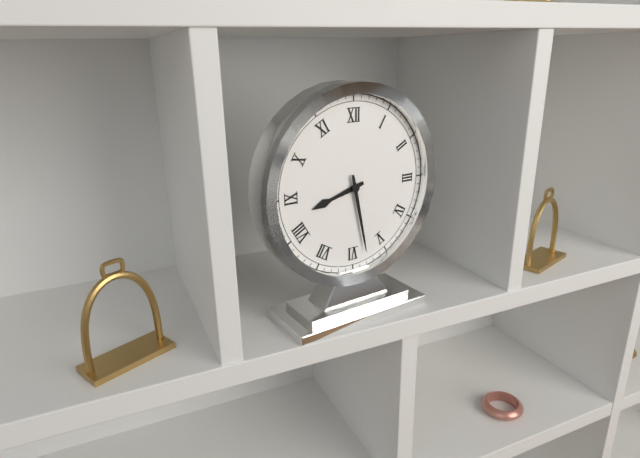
{"hour": 8, "minute": 28}
